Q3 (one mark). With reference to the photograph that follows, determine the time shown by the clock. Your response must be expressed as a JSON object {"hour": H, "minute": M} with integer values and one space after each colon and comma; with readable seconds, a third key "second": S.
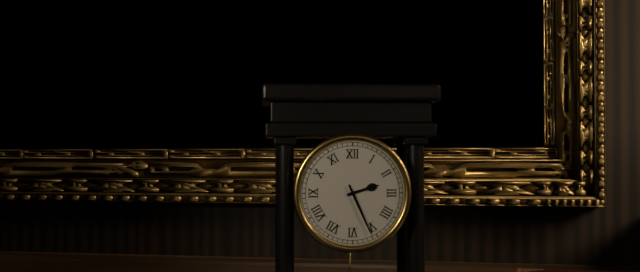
{"hour": 2, "minute": 26}
